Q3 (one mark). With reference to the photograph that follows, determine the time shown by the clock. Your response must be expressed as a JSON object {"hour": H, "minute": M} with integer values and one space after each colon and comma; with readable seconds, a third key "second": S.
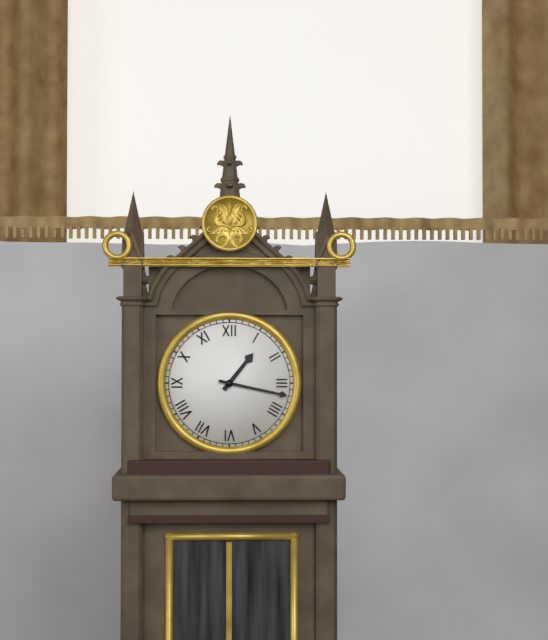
{"hour": 1, "minute": 17}
